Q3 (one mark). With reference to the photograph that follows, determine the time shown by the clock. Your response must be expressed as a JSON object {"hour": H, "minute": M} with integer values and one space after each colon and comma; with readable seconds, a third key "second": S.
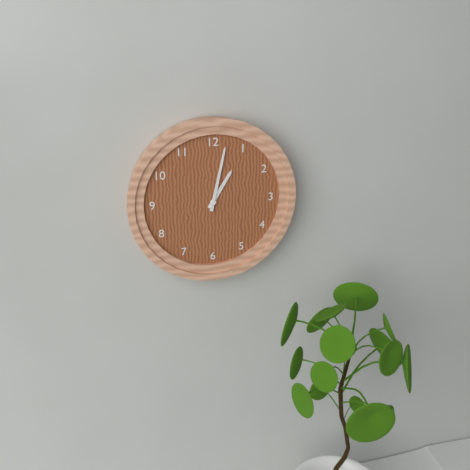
{"hour": 1, "minute": 2}
